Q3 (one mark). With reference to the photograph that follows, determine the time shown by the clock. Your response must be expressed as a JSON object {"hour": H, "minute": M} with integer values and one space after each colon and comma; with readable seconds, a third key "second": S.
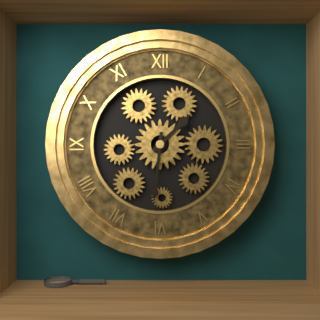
{"hour": 1, "minute": 31}
